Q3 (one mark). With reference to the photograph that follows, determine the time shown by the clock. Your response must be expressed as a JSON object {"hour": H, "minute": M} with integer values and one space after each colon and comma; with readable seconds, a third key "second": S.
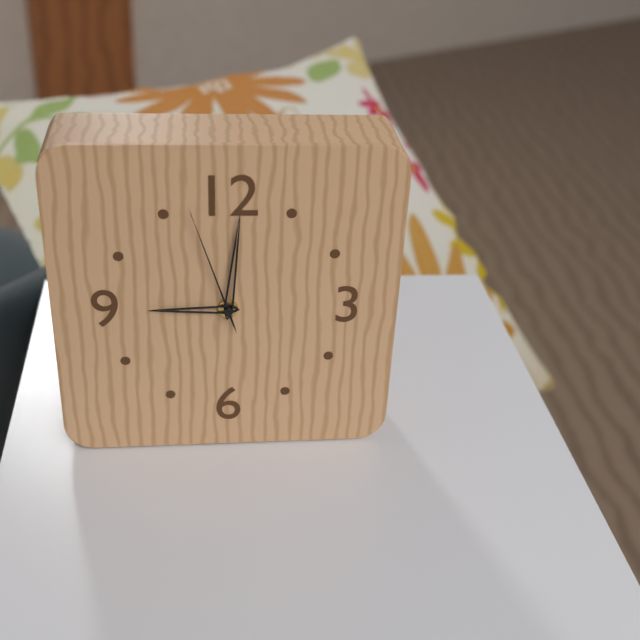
{"hour": 9, "minute": 1, "second": 57}
